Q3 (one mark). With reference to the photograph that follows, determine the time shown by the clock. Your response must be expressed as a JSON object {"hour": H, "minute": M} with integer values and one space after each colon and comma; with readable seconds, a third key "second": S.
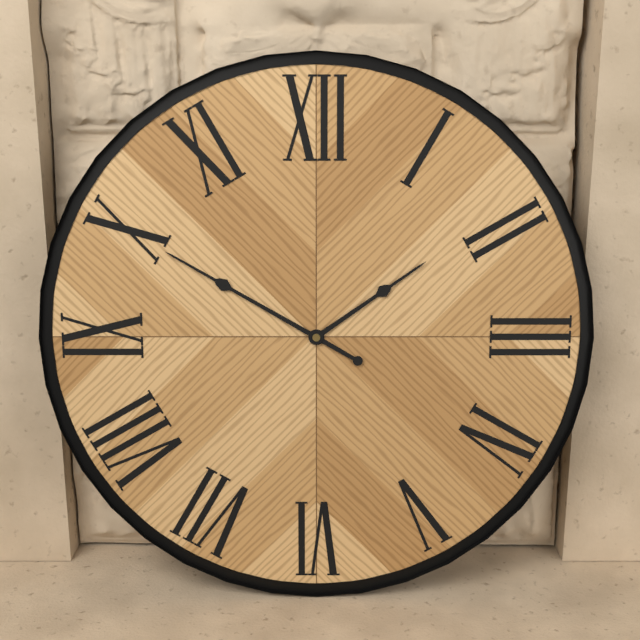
{"hour": 1, "minute": 50}
